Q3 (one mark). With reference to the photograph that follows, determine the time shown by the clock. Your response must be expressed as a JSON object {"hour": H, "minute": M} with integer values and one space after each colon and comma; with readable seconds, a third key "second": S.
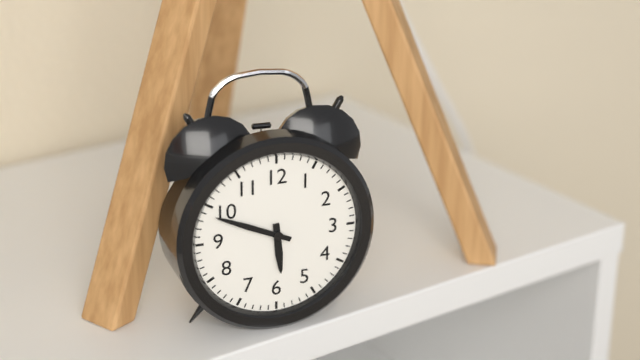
{"hour": 5, "minute": 49}
